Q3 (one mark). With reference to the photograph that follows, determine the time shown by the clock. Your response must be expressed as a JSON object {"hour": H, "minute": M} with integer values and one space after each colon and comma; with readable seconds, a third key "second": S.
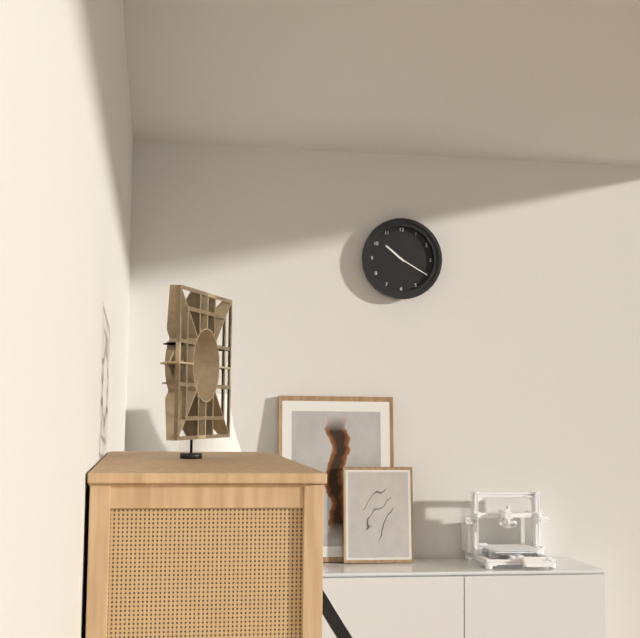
{"hour": 10, "minute": 20}
